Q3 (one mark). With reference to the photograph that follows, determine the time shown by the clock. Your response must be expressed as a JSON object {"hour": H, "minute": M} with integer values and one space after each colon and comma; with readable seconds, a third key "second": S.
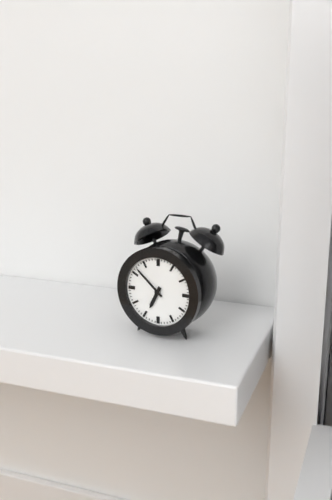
{"hour": 6, "minute": 52}
